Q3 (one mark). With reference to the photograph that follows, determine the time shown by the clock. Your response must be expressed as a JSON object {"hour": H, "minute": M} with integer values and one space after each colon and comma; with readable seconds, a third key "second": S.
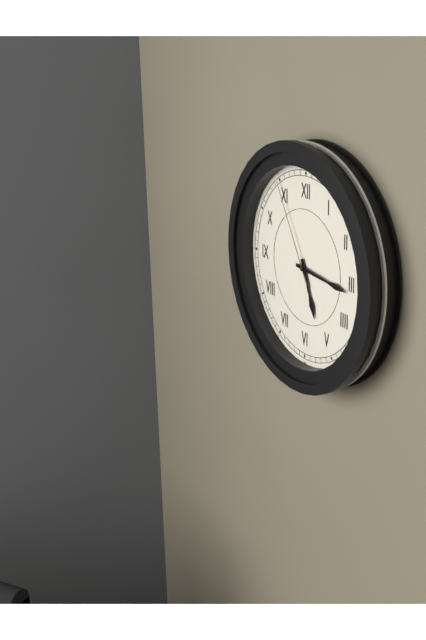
{"hour": 5, "minute": 16, "second": 55}
